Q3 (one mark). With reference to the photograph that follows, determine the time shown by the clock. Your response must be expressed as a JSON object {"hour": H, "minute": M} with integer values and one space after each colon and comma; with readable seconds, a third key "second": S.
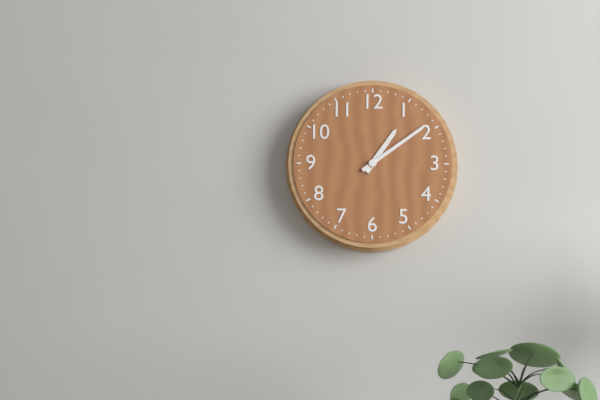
{"hour": 1, "minute": 9}
